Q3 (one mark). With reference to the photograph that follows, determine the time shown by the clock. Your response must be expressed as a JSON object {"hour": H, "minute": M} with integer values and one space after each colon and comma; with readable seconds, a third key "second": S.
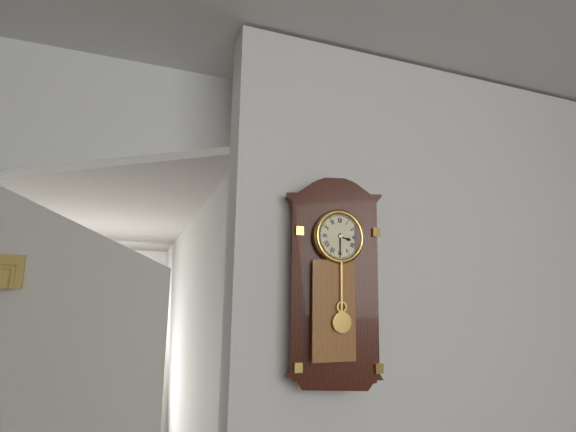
{"hour": 3, "minute": 30}
